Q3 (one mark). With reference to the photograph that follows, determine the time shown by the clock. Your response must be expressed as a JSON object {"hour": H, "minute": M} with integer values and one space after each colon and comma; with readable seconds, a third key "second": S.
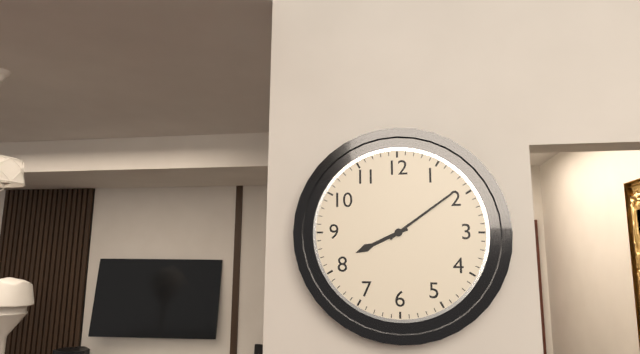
{"hour": 8, "minute": 9}
